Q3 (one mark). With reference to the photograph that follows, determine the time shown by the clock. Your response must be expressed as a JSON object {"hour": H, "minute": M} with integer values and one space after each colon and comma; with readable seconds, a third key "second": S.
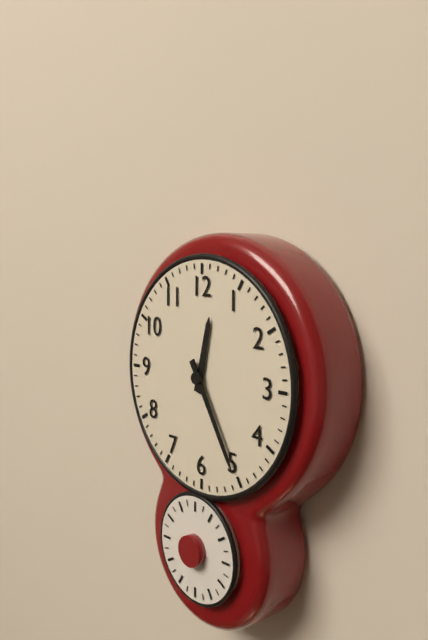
{"hour": 12, "minute": 25}
